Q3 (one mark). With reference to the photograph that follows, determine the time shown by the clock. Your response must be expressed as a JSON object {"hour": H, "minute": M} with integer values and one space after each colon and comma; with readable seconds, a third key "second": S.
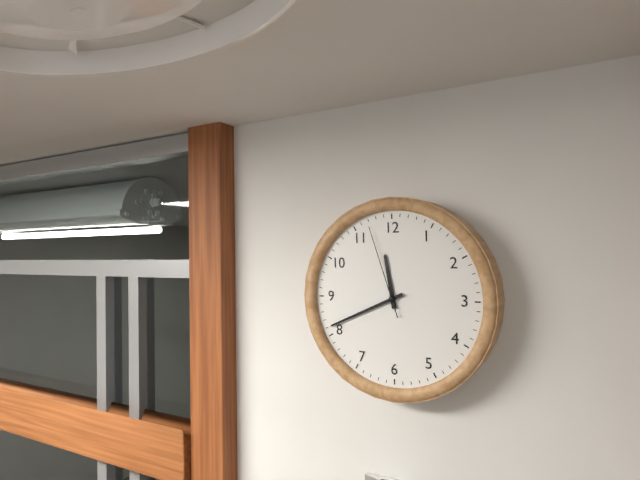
{"hour": 11, "minute": 41, "second": 57}
